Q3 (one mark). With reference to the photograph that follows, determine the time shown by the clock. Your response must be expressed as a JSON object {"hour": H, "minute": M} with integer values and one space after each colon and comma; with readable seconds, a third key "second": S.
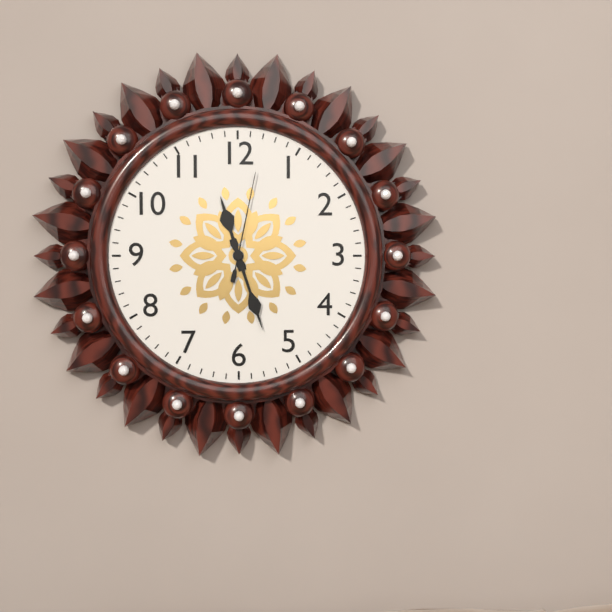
{"hour": 11, "minute": 27, "second": 2}
